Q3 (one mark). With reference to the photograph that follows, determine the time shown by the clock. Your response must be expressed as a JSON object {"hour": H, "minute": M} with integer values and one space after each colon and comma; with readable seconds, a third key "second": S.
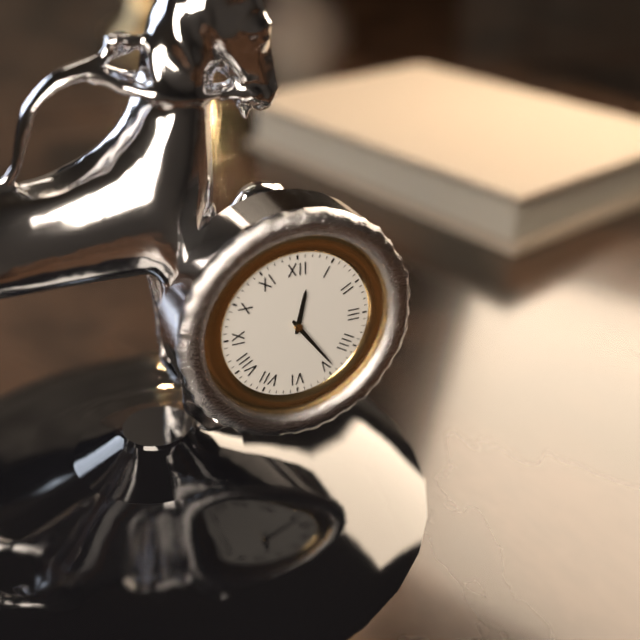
{"hour": 12, "minute": 24}
